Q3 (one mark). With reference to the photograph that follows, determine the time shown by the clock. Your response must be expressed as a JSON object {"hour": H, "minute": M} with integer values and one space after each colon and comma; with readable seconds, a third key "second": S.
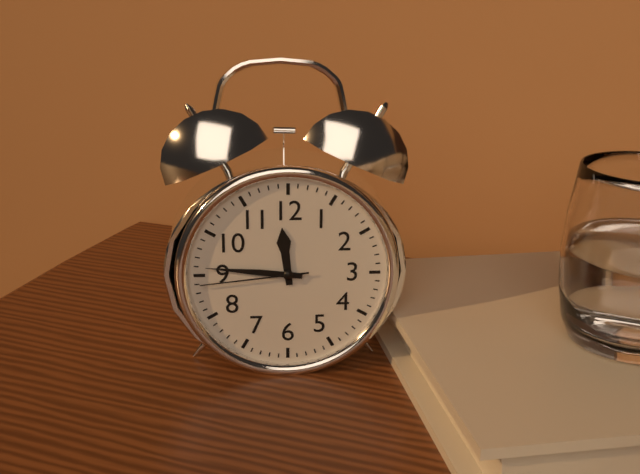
{"hour": 11, "minute": 46, "second": 44}
